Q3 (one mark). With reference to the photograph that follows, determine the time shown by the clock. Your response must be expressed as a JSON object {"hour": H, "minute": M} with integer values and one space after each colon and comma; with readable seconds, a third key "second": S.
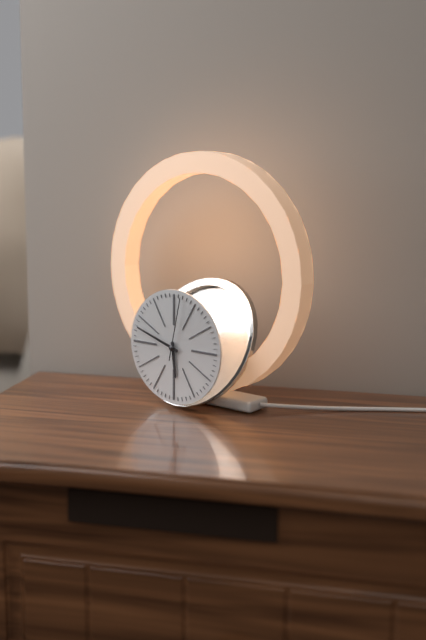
{"hour": 5, "minute": 48, "second": 2}
